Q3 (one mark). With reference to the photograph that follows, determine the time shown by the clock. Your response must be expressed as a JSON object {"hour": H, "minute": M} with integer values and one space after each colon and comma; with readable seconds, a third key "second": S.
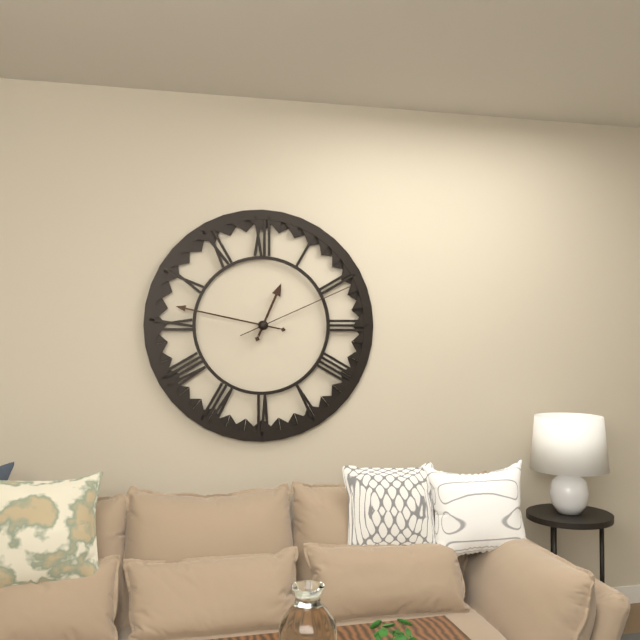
{"hour": 12, "minute": 47, "second": 11}
